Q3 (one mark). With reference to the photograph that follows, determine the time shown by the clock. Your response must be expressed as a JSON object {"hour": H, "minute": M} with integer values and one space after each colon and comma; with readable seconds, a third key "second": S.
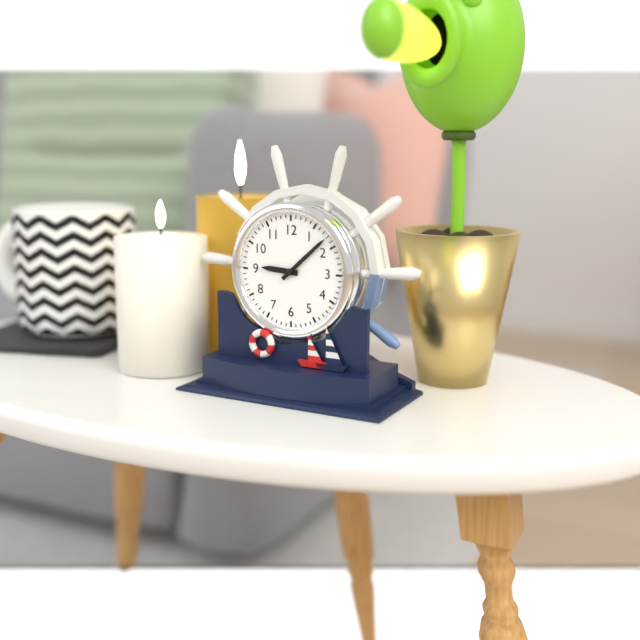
{"hour": 9, "minute": 8}
